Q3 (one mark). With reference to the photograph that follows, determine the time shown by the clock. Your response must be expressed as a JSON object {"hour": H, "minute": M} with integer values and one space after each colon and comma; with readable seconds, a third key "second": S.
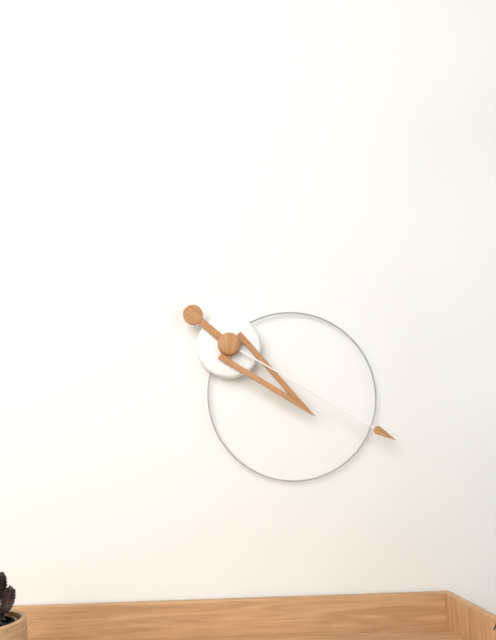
{"hour": 4, "minute": 20}
